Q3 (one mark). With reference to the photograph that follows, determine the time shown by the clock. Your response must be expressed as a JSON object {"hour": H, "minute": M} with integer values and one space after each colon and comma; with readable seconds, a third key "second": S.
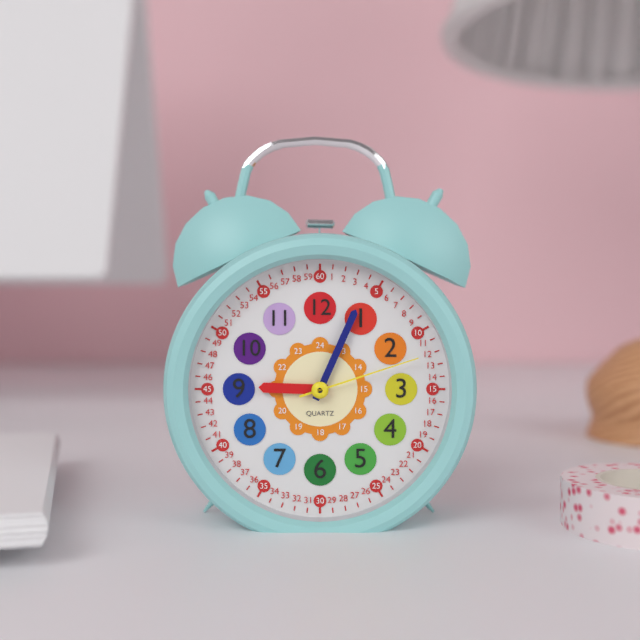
{"hour": 9, "minute": 4, "second": 12}
